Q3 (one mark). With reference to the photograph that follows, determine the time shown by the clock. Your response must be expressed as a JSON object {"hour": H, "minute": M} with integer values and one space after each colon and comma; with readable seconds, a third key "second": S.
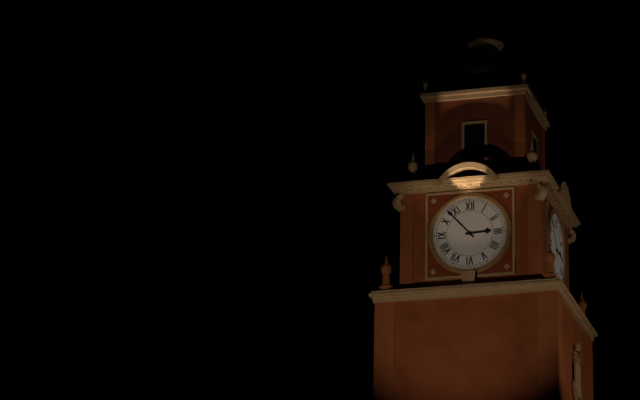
{"hour": 2, "minute": 53}
